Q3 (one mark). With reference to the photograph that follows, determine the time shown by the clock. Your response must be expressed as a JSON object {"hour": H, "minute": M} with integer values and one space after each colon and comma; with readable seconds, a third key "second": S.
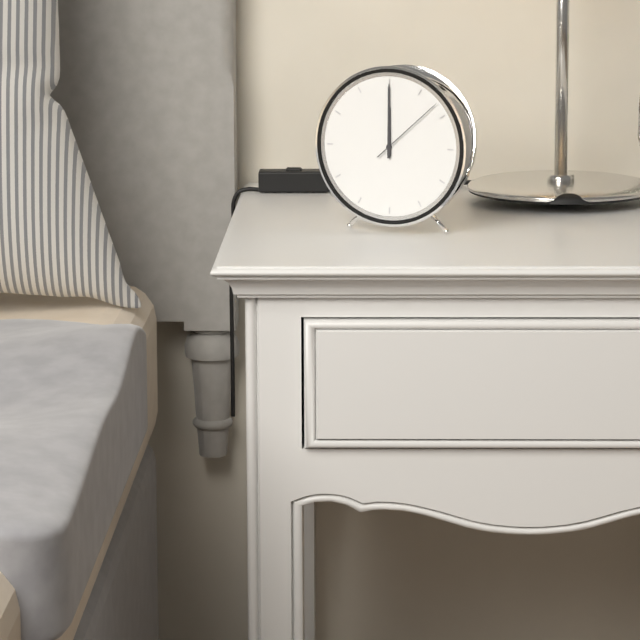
{"hour": 12, "minute": 0, "second": 8}
